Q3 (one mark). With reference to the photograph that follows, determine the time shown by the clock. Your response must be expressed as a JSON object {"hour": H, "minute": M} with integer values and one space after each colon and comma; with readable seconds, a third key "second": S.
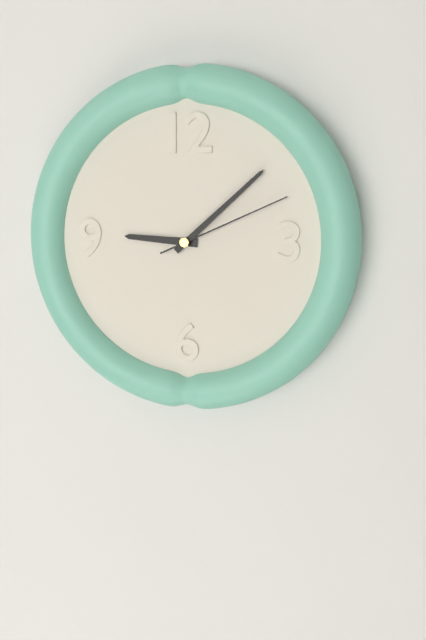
{"hour": 9, "minute": 8, "second": 11}
